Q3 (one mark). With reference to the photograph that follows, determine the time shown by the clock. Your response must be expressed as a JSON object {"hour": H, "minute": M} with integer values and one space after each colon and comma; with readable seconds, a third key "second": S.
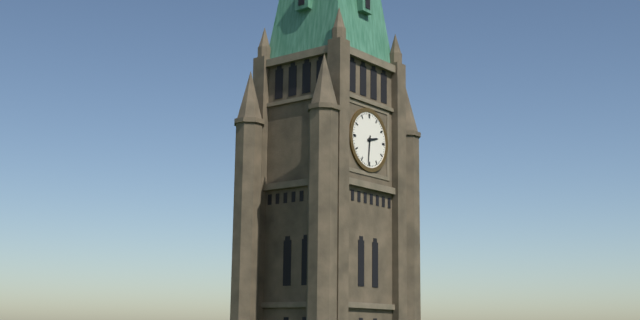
{"hour": 2, "minute": 31}
